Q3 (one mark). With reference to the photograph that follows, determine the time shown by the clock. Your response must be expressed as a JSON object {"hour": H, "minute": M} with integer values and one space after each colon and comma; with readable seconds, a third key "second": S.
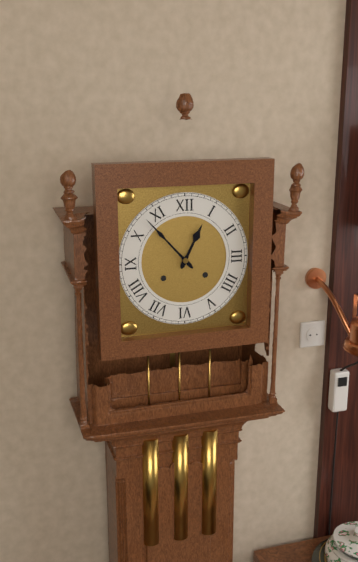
{"hour": 12, "minute": 53}
